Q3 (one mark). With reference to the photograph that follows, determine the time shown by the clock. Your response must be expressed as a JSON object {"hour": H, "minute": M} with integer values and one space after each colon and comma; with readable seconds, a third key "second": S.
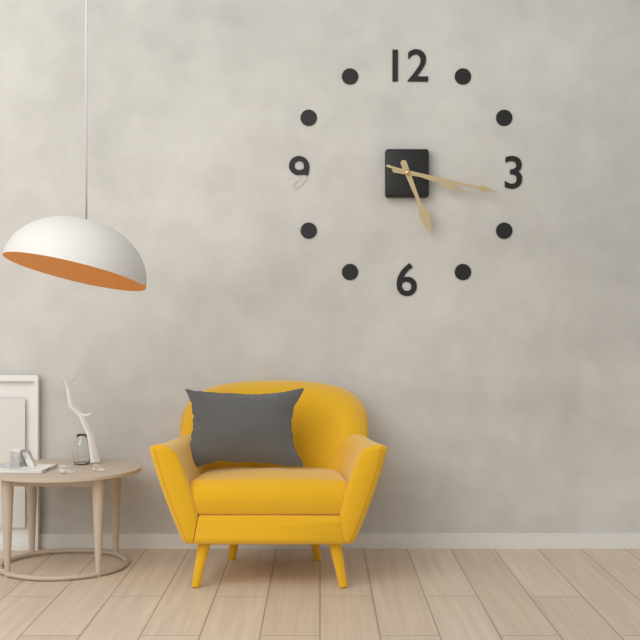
{"hour": 5, "minute": 17, "second": 18}
